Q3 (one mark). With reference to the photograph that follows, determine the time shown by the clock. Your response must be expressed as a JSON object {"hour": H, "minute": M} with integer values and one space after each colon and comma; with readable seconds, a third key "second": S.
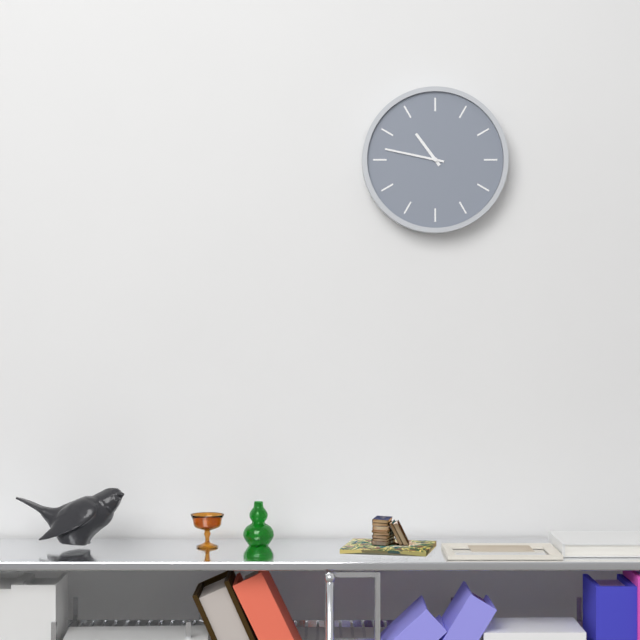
{"hour": 10, "minute": 47}
